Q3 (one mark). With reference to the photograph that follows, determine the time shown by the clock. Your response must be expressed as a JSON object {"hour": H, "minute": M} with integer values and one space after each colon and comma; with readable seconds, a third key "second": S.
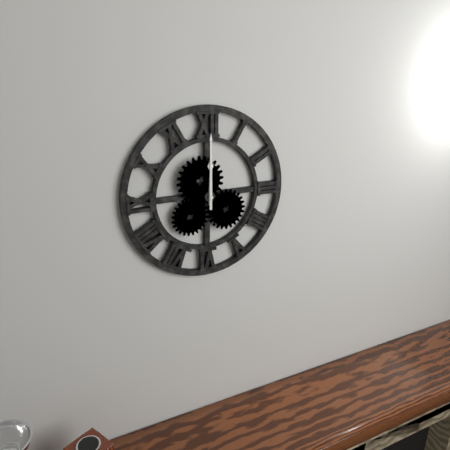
{"hour": 12, "minute": 0}
